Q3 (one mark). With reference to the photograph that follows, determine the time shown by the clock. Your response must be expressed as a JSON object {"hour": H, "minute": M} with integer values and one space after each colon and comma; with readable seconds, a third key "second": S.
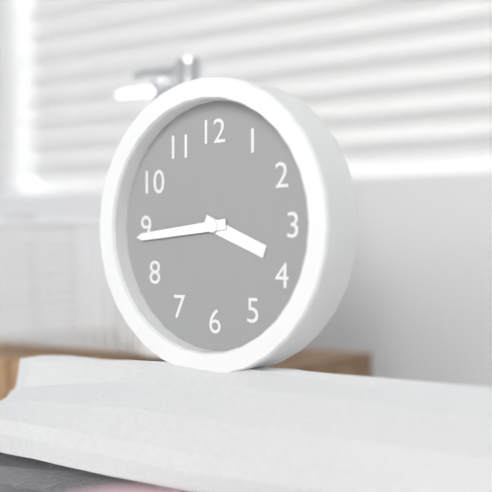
{"hour": 3, "minute": 44}
